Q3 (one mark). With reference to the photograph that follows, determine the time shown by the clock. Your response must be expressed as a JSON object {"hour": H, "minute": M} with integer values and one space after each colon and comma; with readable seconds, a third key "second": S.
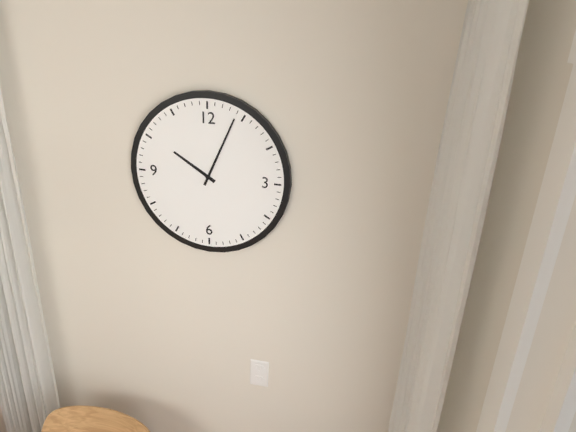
{"hour": 10, "minute": 4}
